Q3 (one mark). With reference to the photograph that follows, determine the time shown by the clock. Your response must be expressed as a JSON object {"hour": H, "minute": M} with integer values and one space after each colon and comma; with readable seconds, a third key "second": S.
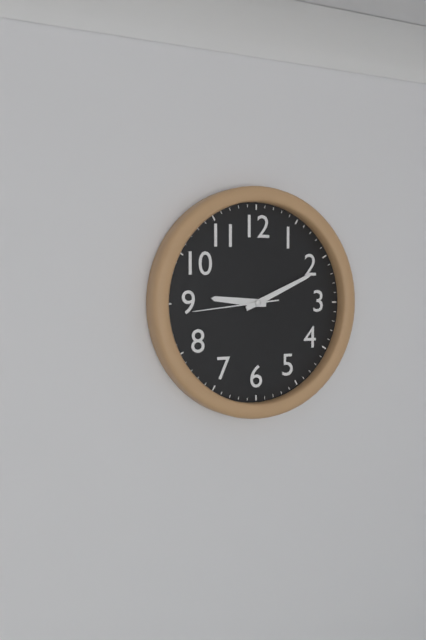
{"hour": 9, "minute": 11, "second": 44}
